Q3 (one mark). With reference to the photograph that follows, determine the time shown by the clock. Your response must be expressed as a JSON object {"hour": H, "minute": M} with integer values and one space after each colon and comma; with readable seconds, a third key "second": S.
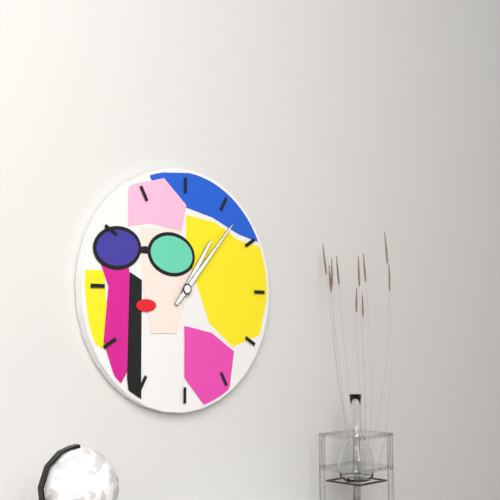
{"hour": 1, "minute": 7}
